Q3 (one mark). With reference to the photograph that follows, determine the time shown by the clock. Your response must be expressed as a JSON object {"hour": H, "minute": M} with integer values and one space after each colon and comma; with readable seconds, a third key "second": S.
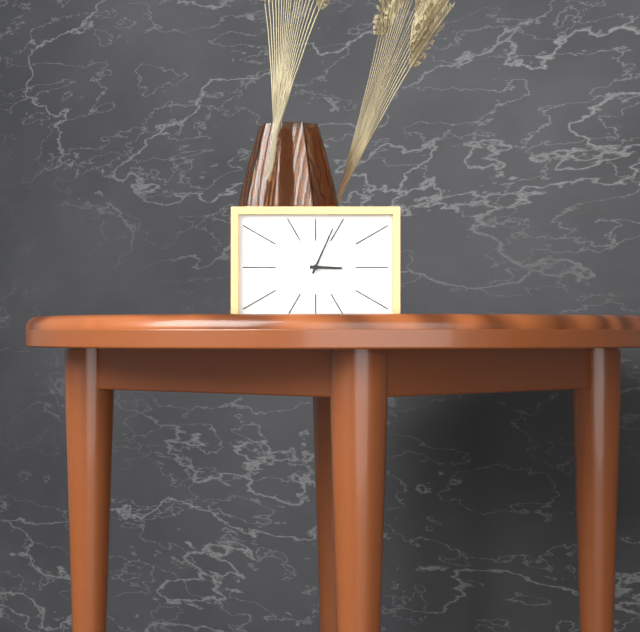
{"hour": 3, "minute": 4}
